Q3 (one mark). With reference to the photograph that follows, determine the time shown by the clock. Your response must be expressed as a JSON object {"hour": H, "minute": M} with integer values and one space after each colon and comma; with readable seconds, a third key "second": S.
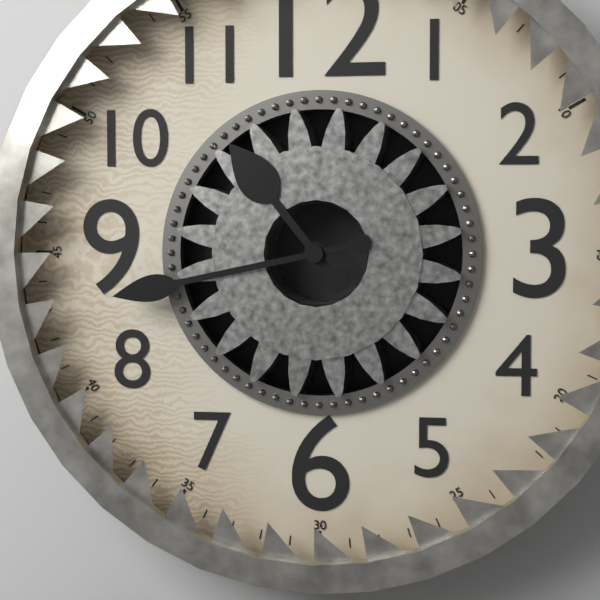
{"hour": 10, "minute": 43}
